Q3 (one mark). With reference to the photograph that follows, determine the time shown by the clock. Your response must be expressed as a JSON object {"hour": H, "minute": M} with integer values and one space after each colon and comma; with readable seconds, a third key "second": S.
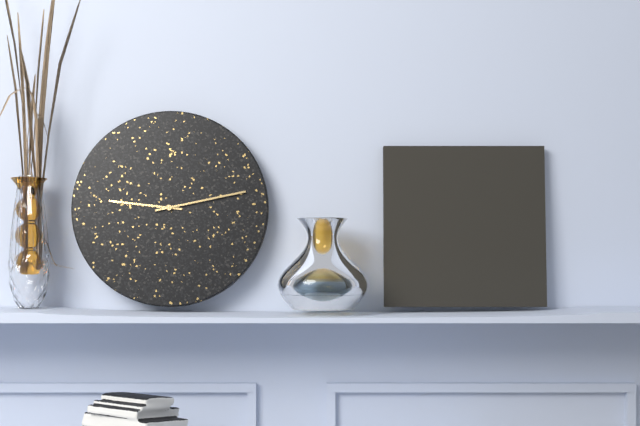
{"hour": 9, "minute": 13}
